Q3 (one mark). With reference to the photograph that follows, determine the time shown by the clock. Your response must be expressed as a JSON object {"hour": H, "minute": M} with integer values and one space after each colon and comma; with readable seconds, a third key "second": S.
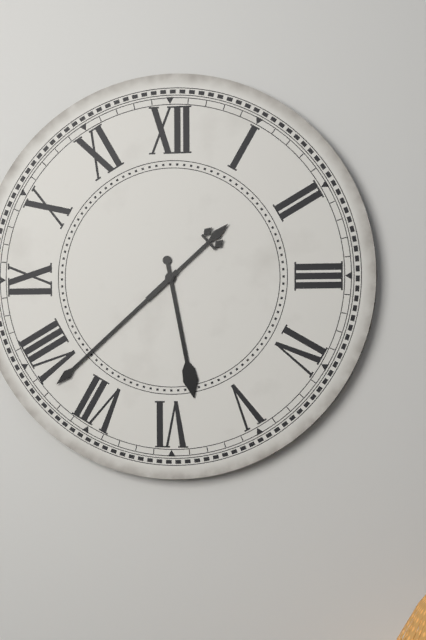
{"hour": 5, "minute": 38}
